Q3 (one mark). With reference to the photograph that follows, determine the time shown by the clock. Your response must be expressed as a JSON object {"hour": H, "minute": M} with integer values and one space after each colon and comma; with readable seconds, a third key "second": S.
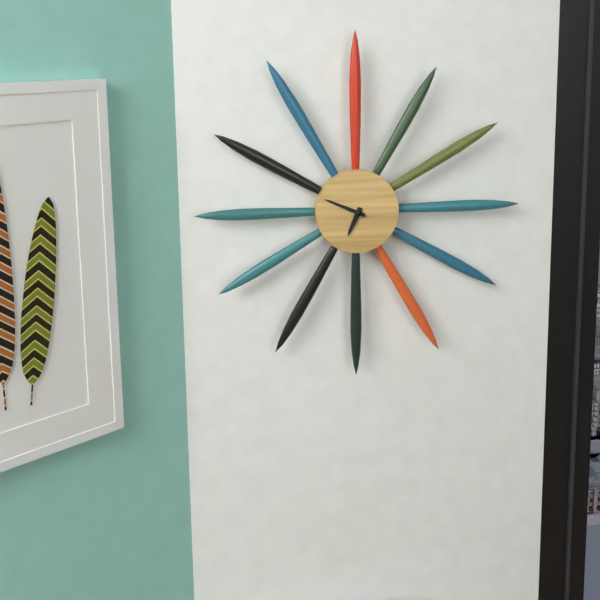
{"hour": 6, "minute": 49}
